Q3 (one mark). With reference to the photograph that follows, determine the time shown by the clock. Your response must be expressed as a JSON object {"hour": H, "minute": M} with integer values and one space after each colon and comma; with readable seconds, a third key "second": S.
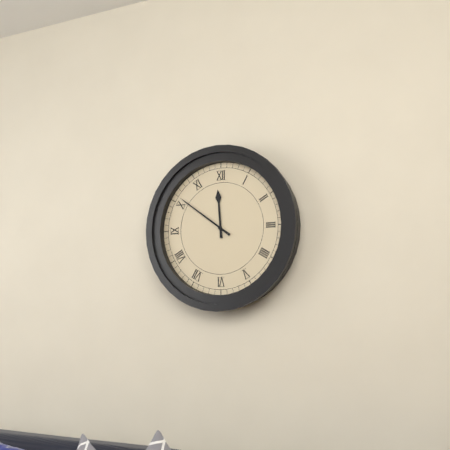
{"hour": 11, "minute": 51}
